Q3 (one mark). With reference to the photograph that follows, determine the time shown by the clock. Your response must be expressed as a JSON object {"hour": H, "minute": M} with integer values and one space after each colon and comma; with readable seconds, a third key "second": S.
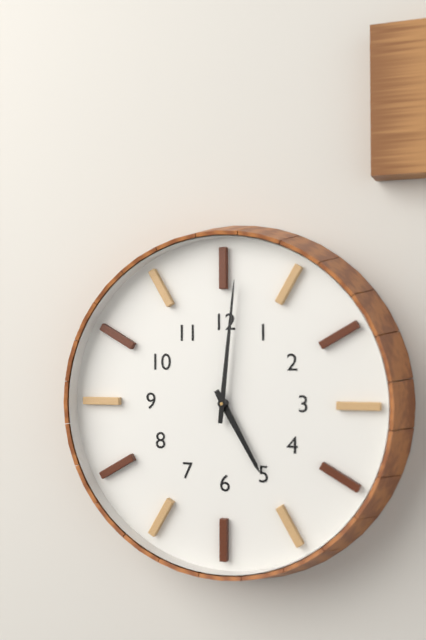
{"hour": 5, "minute": 1}
